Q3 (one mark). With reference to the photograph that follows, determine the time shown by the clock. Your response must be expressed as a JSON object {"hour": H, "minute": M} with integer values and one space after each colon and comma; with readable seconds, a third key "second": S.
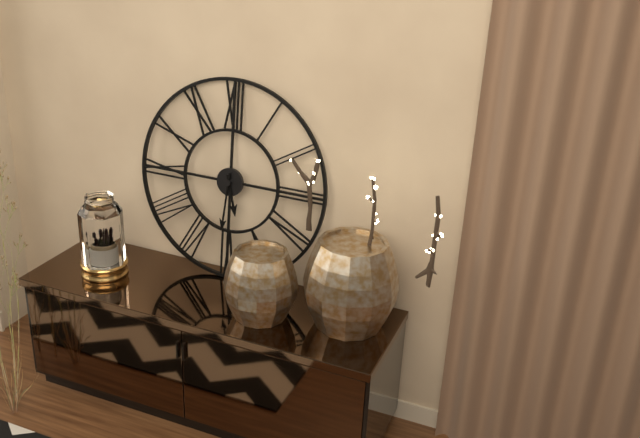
{"hour": 5, "minute": 31}
